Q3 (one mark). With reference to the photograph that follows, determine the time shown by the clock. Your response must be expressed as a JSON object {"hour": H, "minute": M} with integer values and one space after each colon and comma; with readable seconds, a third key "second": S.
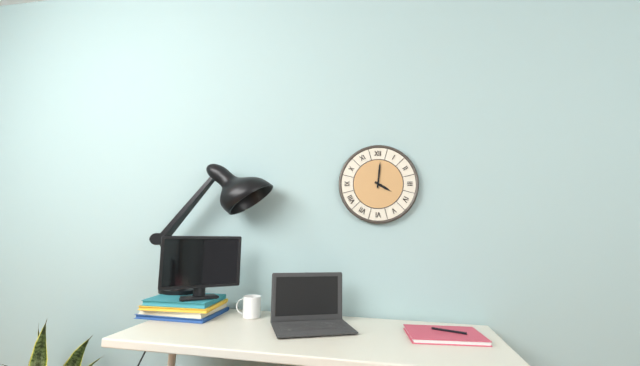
{"hour": 4, "minute": 1}
